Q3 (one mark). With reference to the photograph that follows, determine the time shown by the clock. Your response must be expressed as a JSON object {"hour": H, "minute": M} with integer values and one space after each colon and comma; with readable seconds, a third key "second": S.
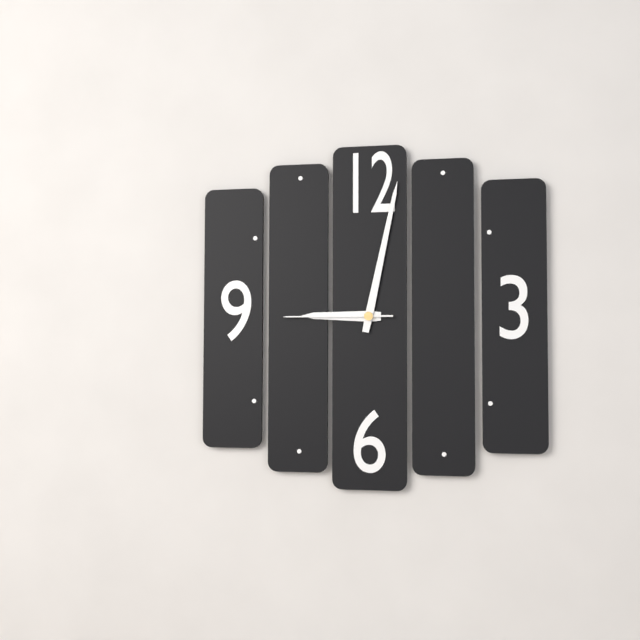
{"hour": 9, "minute": 2, "second": 45}
